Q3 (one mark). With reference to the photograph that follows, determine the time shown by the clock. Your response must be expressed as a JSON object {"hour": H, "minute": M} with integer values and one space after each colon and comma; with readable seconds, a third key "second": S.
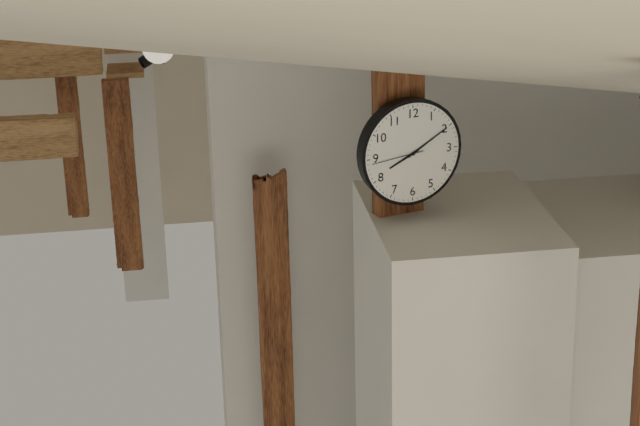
{"hour": 8, "minute": 10, "second": 44}
